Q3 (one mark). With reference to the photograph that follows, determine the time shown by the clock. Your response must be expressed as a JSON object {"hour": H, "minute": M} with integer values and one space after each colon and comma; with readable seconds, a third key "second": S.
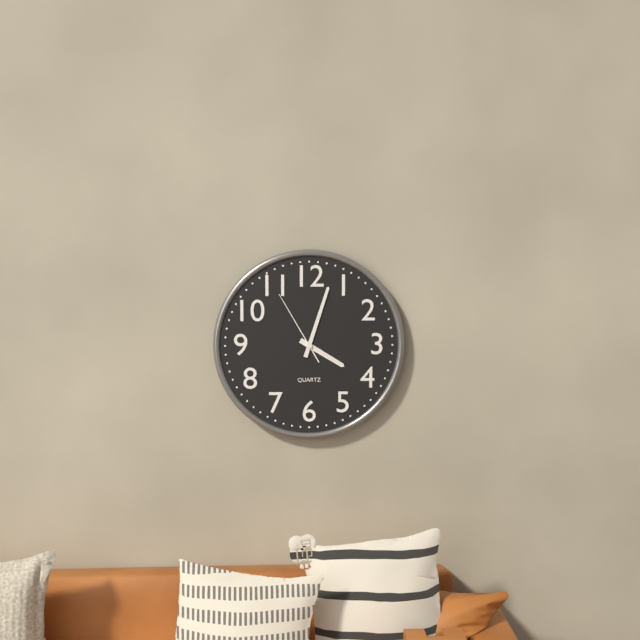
{"hour": 4, "minute": 3, "second": 55}
